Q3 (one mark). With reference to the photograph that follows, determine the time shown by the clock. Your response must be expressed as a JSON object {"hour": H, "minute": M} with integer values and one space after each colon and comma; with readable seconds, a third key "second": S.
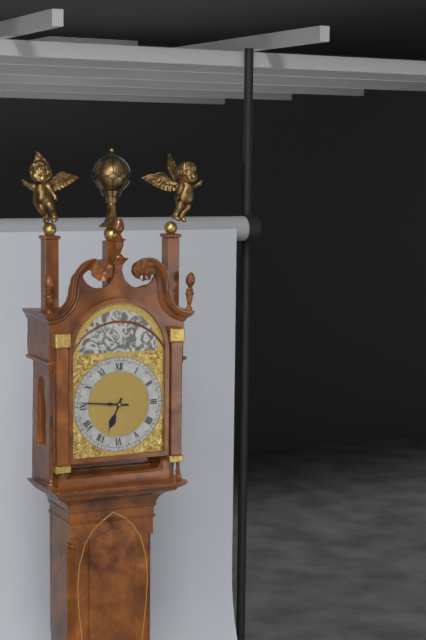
{"hour": 6, "minute": 46}
